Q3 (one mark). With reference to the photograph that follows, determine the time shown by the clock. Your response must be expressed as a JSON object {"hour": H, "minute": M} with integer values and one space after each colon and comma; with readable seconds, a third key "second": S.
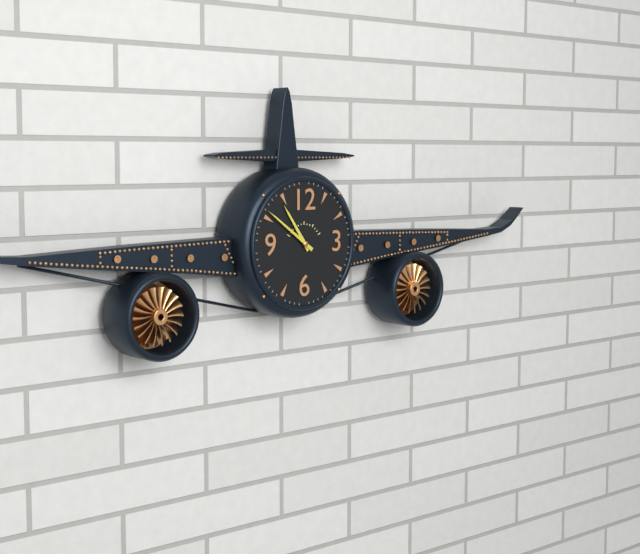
{"hour": 10, "minute": 51}
